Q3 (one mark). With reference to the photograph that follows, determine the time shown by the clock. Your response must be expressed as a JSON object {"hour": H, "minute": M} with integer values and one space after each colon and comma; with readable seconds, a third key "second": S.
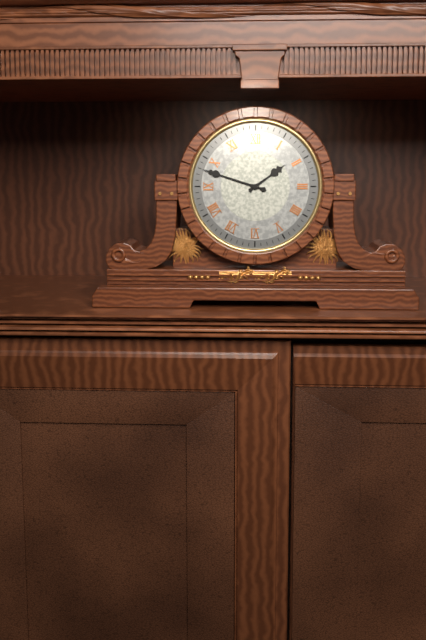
{"hour": 1, "minute": 48}
